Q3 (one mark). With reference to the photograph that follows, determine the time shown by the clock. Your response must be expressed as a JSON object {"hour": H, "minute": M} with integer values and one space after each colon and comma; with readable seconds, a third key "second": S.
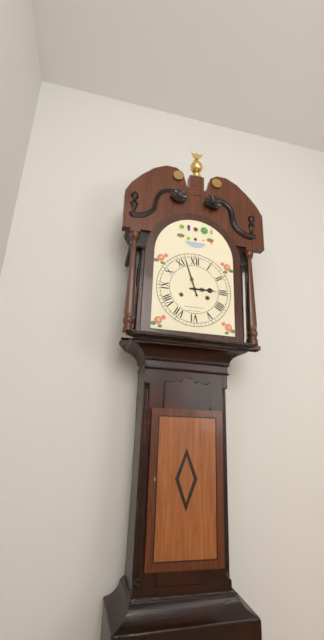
{"hour": 2, "minute": 57}
